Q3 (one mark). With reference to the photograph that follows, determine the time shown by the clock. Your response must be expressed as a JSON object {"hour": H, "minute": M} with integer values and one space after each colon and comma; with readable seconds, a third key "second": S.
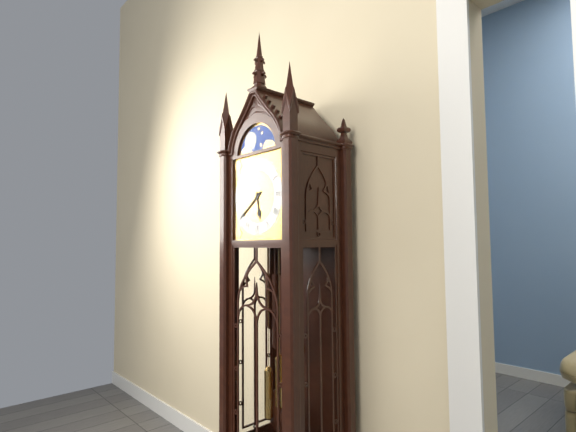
{"hour": 5, "minute": 39}
